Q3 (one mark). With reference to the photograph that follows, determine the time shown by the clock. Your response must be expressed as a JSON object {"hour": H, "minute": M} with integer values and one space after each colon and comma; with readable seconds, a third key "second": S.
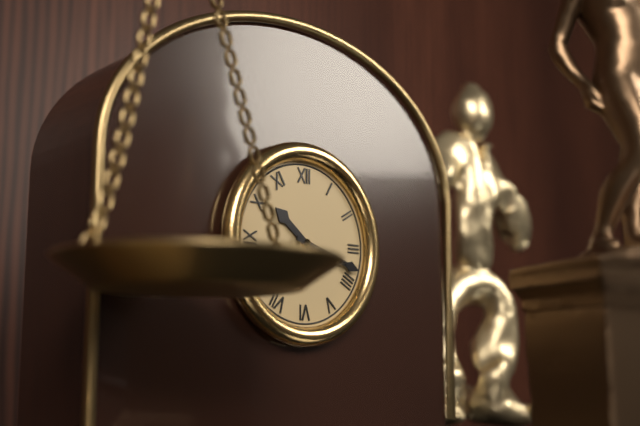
{"hour": 10, "minute": 18}
